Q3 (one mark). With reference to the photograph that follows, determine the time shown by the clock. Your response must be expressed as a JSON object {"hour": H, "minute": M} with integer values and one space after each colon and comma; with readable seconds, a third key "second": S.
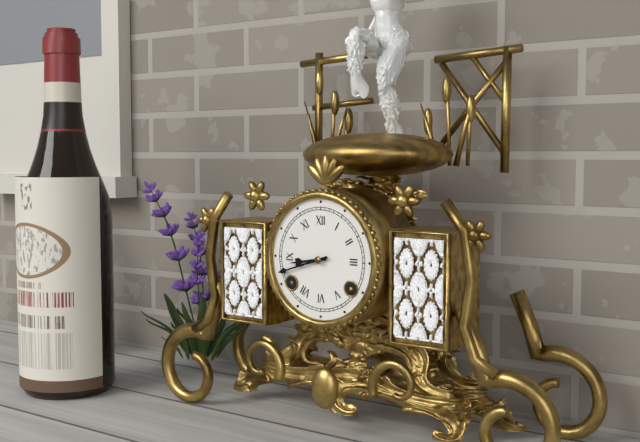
{"hour": 8, "minute": 42}
